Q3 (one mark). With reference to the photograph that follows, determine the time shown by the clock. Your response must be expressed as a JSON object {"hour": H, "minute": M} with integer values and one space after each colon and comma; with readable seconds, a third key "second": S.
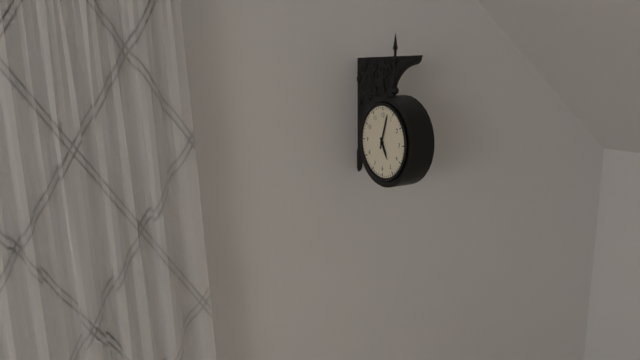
{"hour": 5, "minute": 3}
